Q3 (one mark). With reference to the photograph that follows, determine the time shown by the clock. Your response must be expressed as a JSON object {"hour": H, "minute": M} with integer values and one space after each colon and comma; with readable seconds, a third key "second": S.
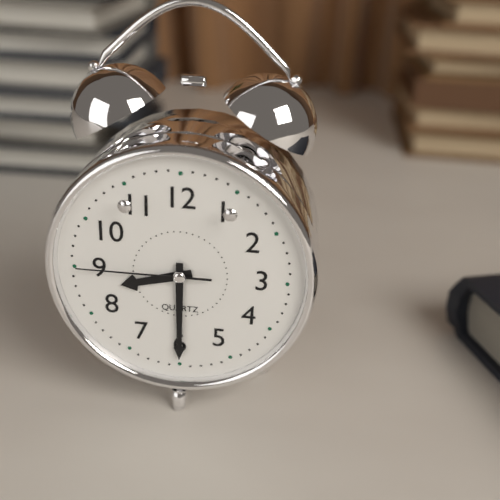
{"hour": 8, "minute": 30, "second": 45}
